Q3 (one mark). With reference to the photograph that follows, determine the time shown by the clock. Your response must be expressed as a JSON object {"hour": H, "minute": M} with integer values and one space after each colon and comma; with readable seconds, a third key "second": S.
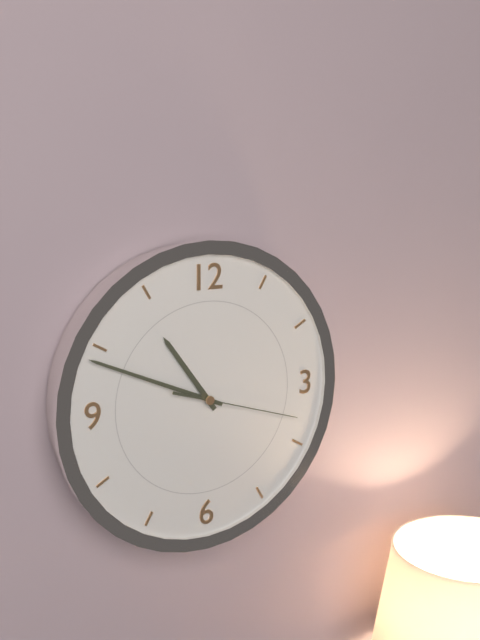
{"hour": 10, "minute": 49, "second": 18}
